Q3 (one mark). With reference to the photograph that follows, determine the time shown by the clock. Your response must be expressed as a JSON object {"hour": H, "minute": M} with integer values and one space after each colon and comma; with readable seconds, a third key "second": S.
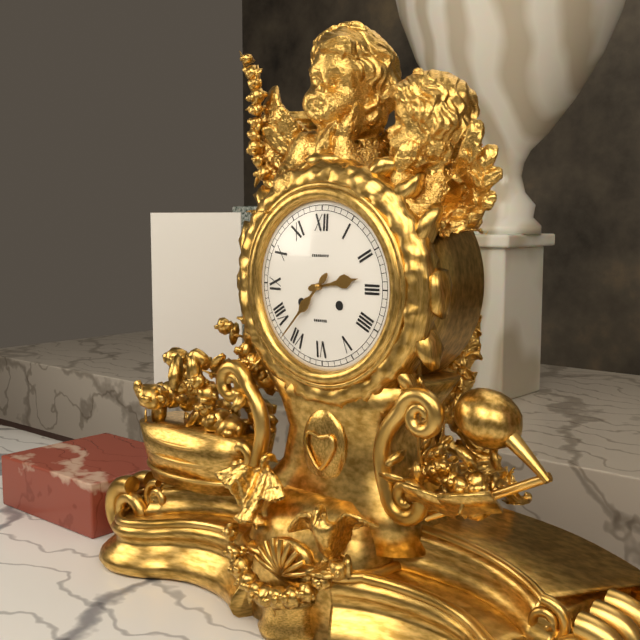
{"hour": 2, "minute": 37}
